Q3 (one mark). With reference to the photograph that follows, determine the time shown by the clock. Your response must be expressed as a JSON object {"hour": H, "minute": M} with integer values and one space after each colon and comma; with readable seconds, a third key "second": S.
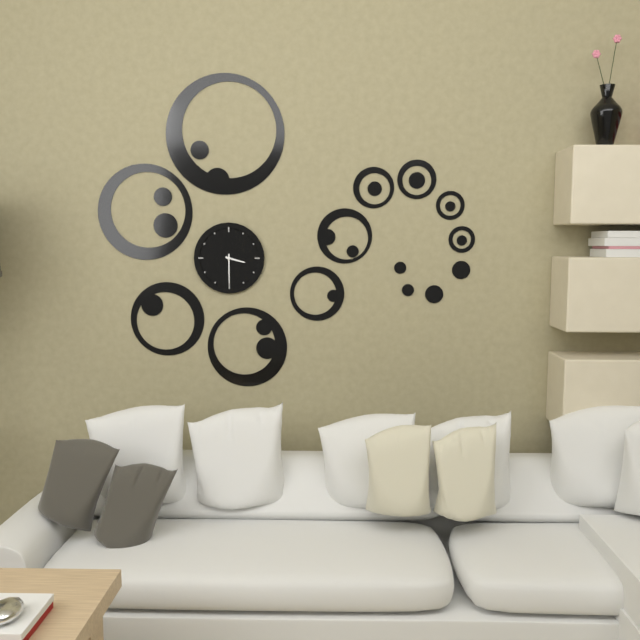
{"hour": 3, "minute": 30}
